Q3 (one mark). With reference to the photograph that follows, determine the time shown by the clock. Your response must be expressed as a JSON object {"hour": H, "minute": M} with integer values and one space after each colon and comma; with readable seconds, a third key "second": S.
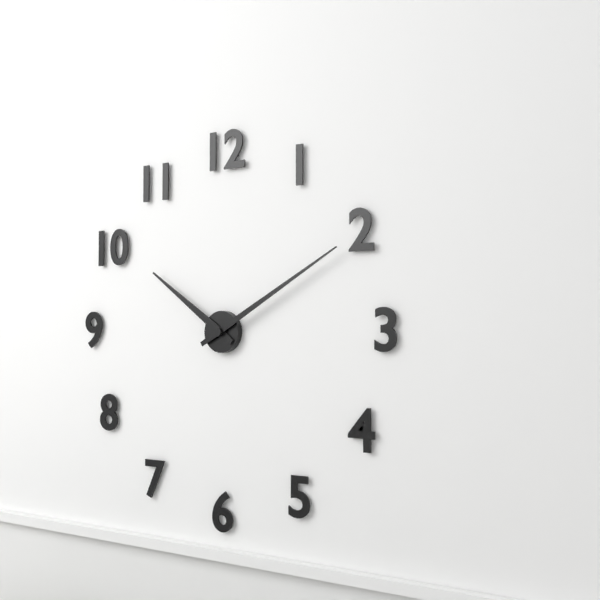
{"hour": 10, "minute": 10}
